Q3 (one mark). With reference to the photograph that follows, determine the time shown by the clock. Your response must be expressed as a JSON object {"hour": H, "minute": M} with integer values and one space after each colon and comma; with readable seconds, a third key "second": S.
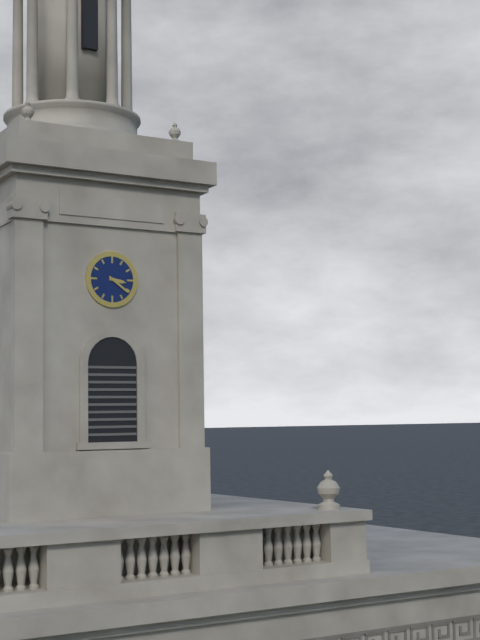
{"hour": 3, "minute": 21}
